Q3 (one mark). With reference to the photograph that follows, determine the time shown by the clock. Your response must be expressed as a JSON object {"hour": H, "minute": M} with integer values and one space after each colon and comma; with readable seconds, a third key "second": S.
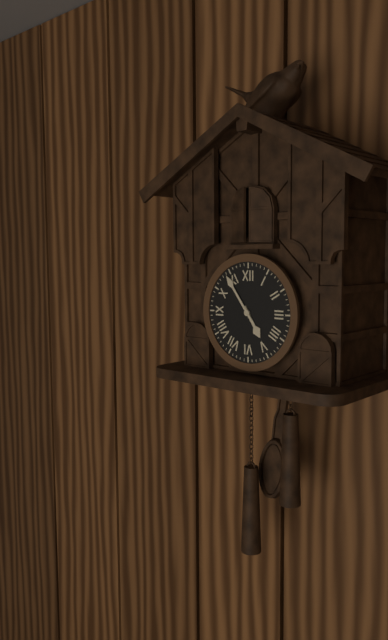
{"hour": 4, "minute": 54}
